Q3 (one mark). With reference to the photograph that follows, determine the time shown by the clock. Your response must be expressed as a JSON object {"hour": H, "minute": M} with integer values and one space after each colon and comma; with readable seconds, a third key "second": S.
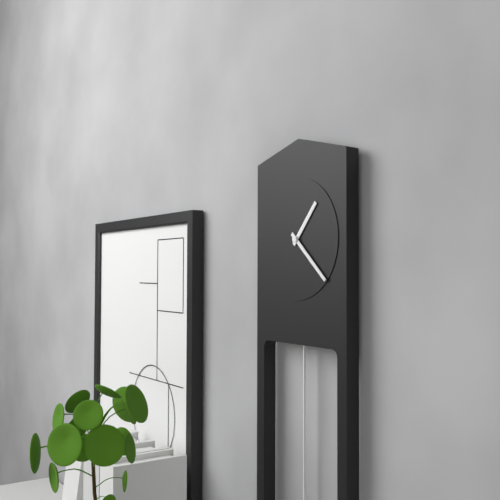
{"hour": 1, "minute": 22}
